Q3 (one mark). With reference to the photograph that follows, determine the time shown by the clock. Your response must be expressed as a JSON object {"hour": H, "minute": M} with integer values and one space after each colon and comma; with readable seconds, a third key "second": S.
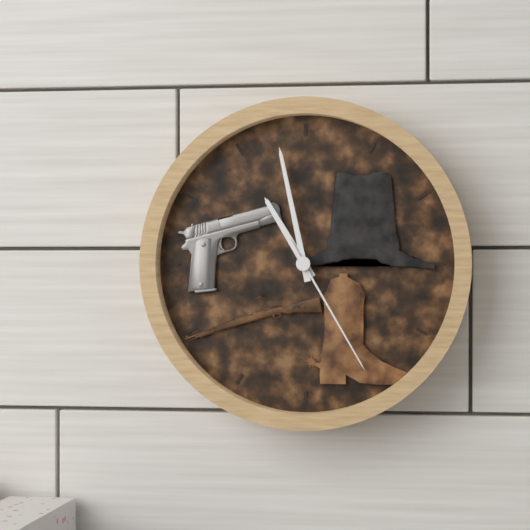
{"hour": 10, "minute": 58, "second": 25}
